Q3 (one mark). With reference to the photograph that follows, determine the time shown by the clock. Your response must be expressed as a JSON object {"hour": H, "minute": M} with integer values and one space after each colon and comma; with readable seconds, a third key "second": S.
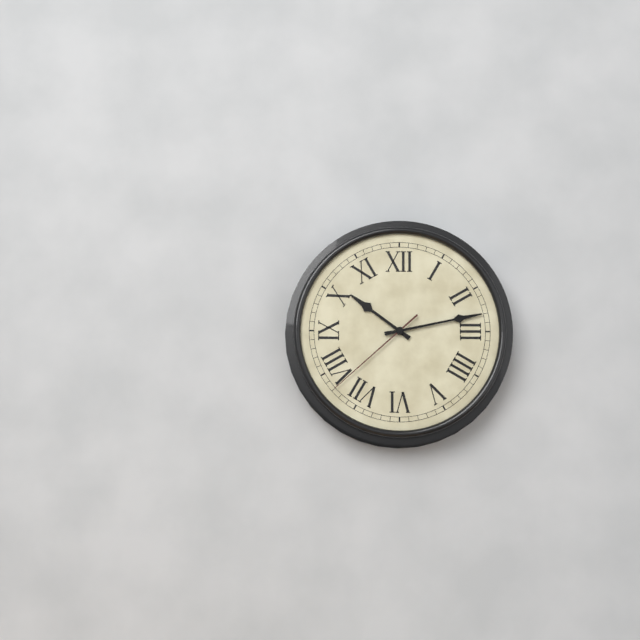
{"hour": 10, "minute": 13, "second": 38}
